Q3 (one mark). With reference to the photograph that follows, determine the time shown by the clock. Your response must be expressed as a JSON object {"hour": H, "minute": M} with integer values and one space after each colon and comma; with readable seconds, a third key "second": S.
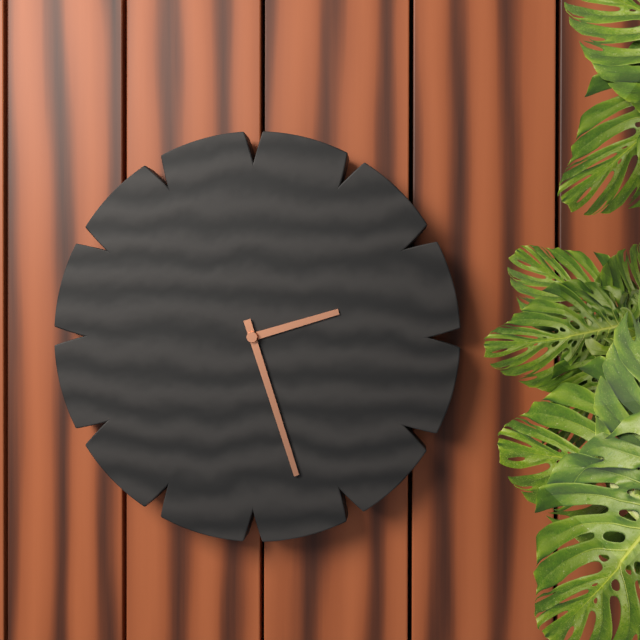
{"hour": 2, "minute": 27}
